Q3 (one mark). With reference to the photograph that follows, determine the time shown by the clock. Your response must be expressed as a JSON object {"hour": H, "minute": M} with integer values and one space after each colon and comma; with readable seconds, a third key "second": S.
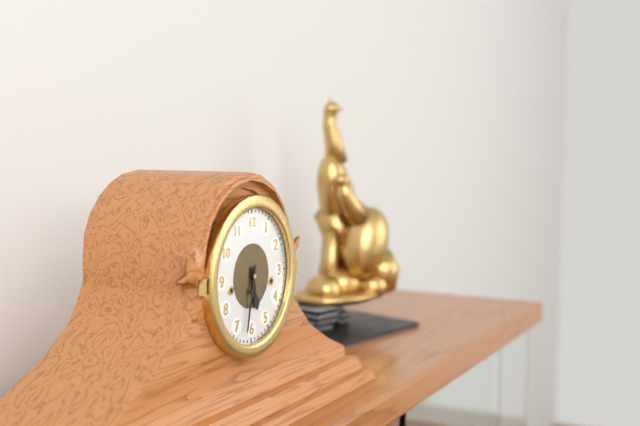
{"hour": 5, "minute": 32}
